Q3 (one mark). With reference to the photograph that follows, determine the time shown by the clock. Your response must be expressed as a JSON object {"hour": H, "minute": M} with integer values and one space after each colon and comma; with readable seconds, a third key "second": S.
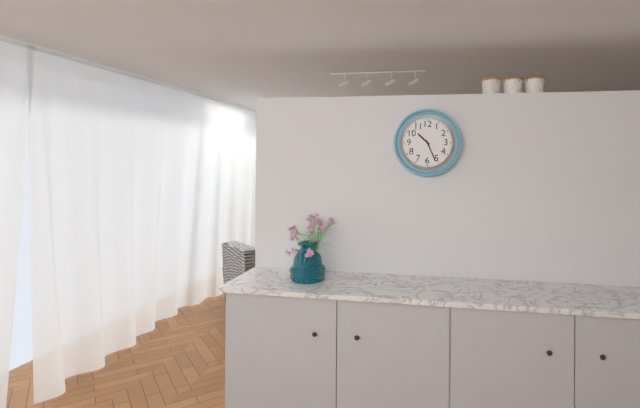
{"hour": 10, "minute": 26}
